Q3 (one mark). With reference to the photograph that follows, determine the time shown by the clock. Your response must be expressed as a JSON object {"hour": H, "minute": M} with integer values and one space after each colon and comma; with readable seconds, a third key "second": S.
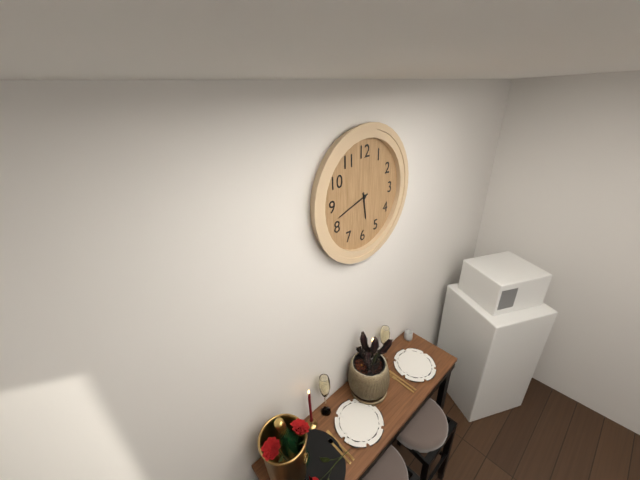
{"hour": 5, "minute": 42}
